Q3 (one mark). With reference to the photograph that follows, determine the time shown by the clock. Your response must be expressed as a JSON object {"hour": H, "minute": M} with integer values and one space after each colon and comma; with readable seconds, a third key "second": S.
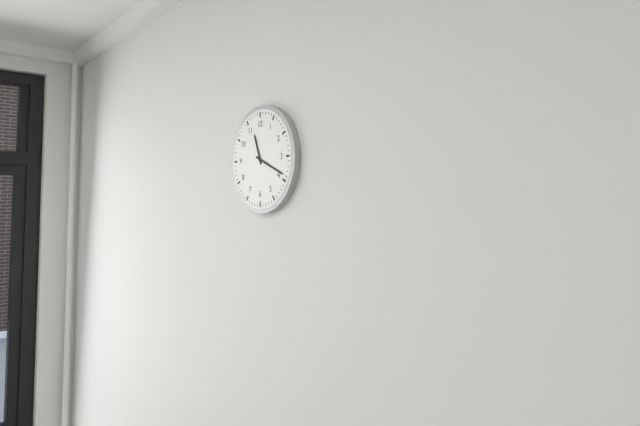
{"hour": 11, "minute": 19}
